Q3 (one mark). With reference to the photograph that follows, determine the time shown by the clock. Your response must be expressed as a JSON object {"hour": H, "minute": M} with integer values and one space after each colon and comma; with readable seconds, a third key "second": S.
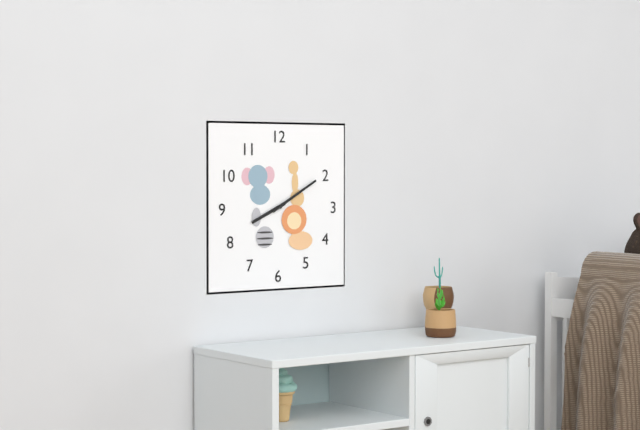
{"hour": 8, "minute": 10}
